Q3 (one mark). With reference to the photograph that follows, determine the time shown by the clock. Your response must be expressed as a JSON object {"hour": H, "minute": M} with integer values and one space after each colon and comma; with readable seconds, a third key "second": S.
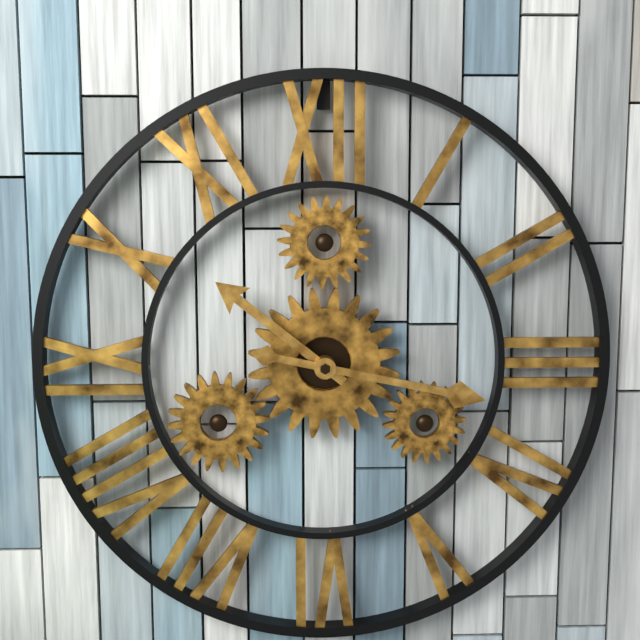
{"hour": 10, "minute": 17}
